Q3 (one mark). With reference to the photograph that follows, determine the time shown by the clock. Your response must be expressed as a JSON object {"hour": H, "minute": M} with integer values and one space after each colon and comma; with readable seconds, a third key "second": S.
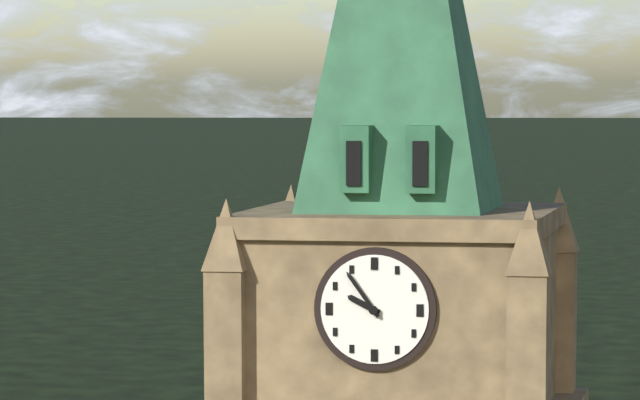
{"hour": 9, "minute": 54}
